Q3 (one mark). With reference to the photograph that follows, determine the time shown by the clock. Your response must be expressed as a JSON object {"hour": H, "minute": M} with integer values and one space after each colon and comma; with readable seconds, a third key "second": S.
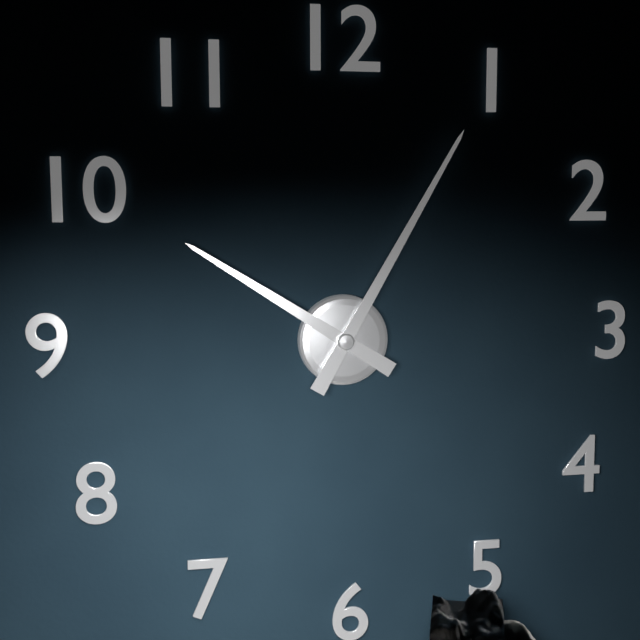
{"hour": 10, "minute": 5}
